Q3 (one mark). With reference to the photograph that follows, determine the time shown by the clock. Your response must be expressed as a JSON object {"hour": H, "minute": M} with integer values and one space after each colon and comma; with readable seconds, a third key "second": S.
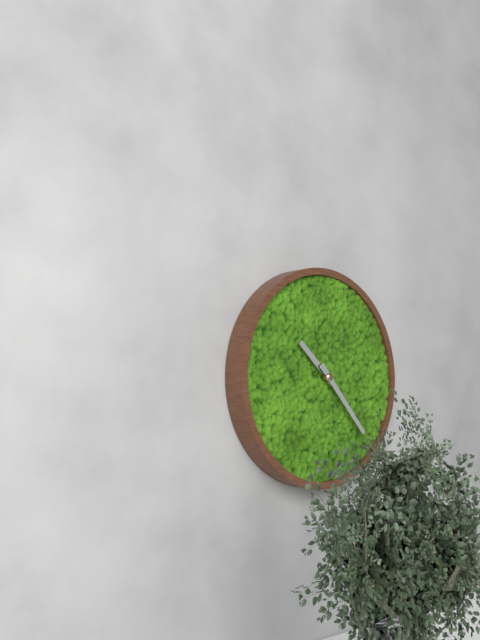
{"hour": 10, "minute": 23}
